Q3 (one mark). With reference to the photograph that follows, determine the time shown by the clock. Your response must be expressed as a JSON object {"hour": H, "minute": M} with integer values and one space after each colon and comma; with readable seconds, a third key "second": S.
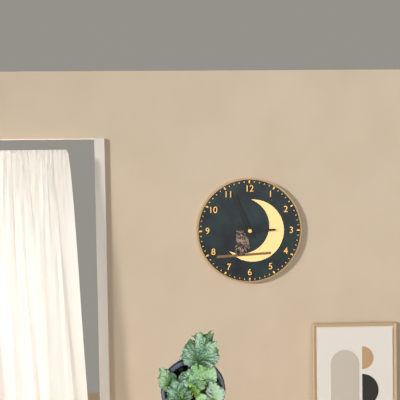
{"hour": 2, "minute": 56}
